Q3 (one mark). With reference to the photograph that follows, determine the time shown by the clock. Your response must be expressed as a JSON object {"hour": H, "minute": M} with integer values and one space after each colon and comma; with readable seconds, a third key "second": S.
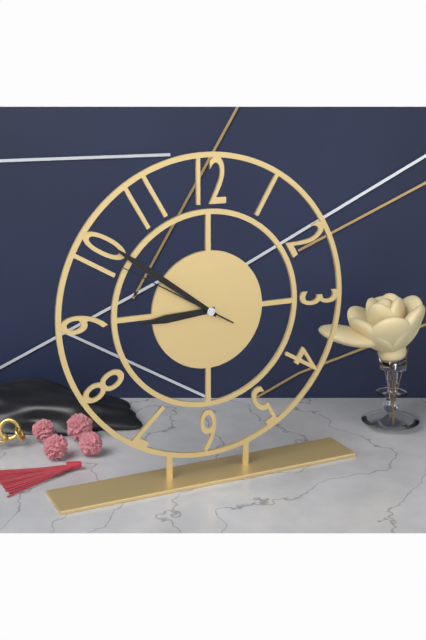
{"hour": 8, "minute": 51, "second": 50}
